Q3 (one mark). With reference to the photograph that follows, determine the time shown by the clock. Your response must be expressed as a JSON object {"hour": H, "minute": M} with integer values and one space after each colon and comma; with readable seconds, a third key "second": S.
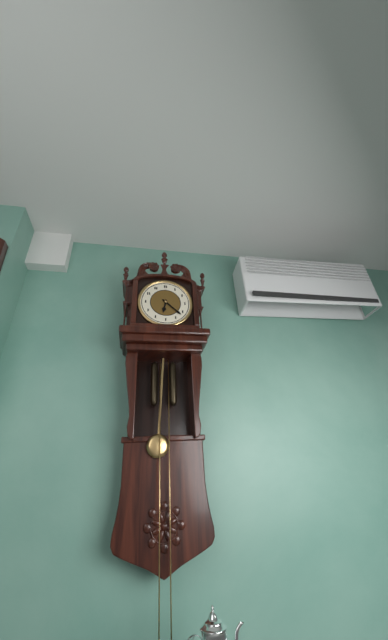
{"hour": 6, "minute": 22}
